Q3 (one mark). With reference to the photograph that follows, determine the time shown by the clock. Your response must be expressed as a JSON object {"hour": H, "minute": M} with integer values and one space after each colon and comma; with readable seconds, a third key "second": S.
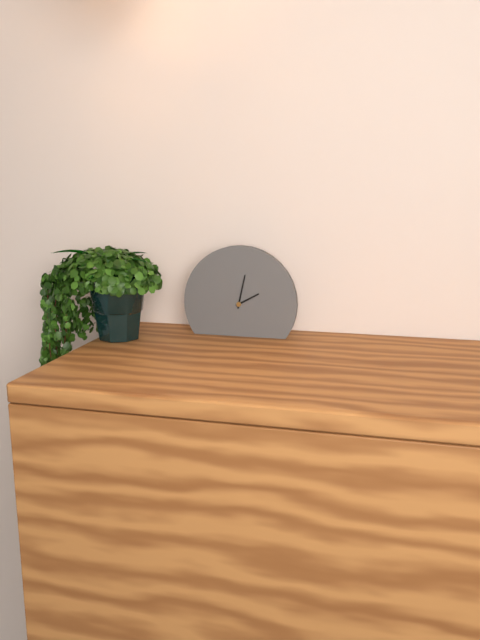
{"hour": 2, "minute": 2}
